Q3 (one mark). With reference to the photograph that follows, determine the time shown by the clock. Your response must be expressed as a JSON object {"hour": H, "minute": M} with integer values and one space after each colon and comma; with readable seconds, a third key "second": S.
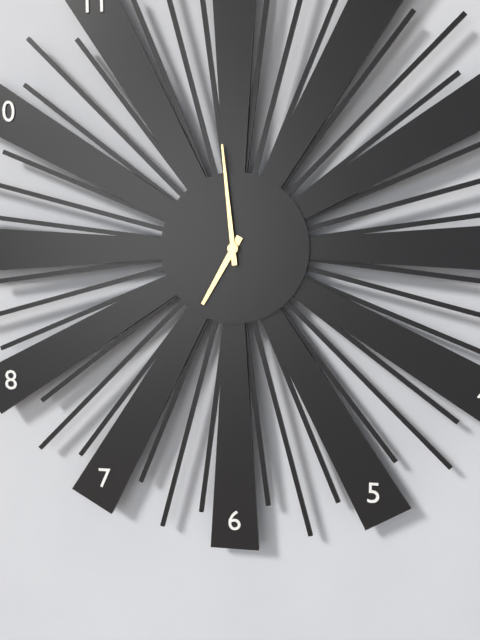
{"hour": 6, "minute": 59}
